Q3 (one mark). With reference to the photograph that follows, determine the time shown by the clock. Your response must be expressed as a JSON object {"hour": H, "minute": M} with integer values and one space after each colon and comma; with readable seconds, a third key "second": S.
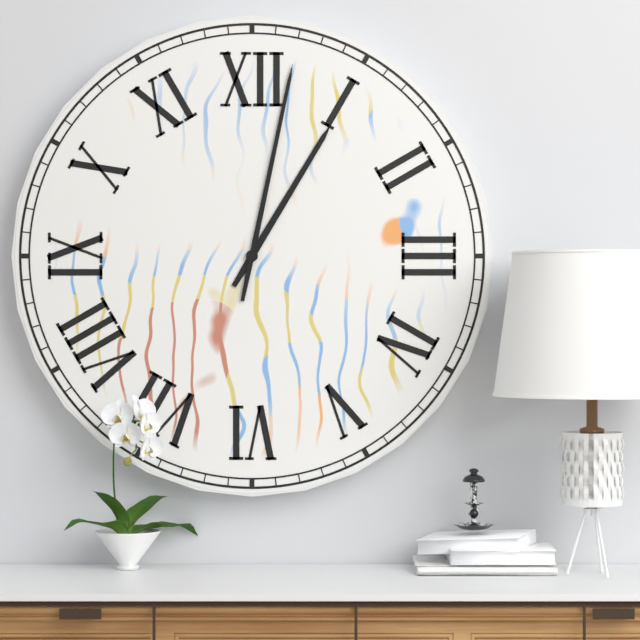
{"hour": 1, "minute": 2}
